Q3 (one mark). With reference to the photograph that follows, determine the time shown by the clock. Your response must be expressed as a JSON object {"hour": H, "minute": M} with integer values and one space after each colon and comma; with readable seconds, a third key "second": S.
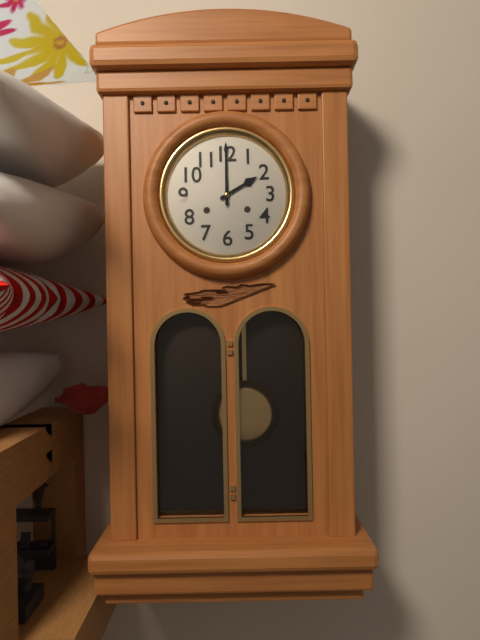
{"hour": 2, "minute": 0}
